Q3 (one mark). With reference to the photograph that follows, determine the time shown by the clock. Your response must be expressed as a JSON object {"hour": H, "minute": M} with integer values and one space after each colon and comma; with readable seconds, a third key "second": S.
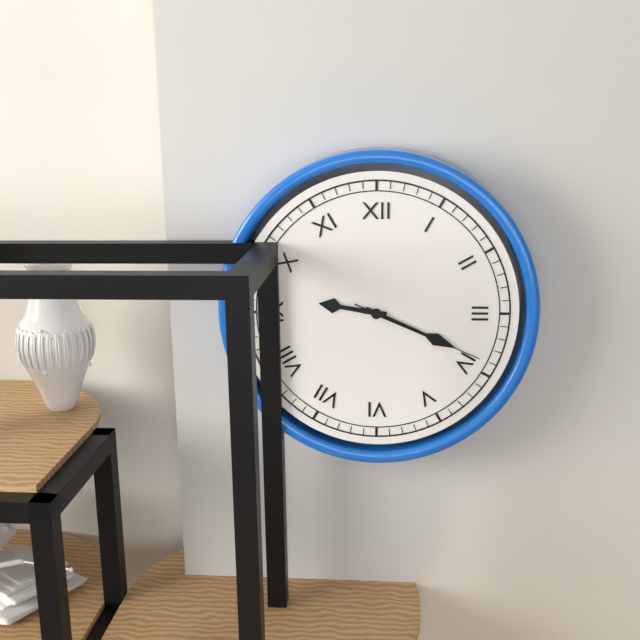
{"hour": 9, "minute": 19, "second": 19}
